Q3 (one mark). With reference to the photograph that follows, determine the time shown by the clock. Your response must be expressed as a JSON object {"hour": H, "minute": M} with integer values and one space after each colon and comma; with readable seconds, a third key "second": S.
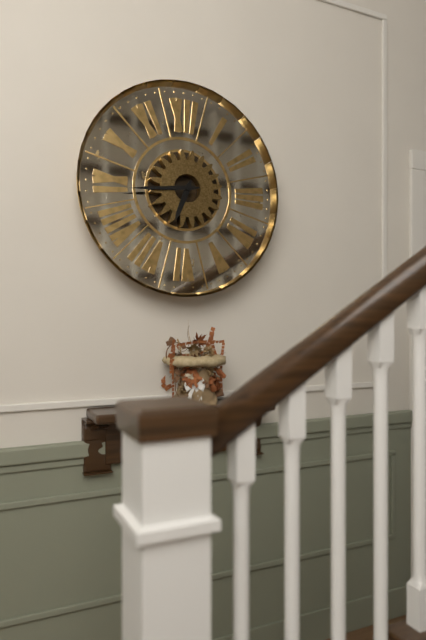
{"hour": 6, "minute": 44}
